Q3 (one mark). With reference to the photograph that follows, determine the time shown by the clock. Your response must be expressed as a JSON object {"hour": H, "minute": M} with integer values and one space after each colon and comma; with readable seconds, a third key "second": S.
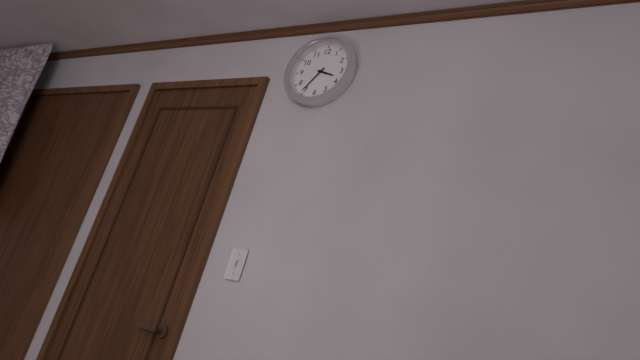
{"hour": 3, "minute": 36}
